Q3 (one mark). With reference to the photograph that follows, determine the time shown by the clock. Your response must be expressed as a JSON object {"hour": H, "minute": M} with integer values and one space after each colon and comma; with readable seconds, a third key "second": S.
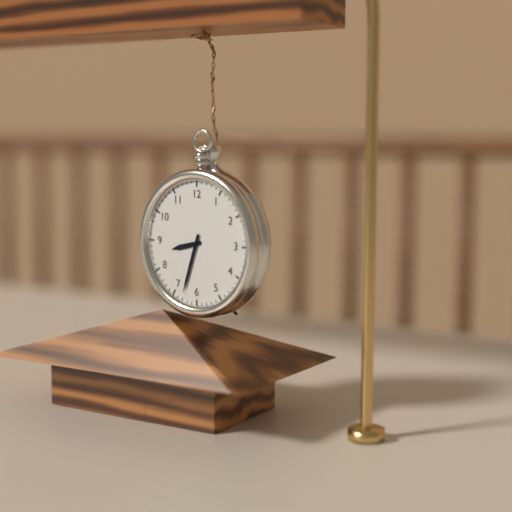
{"hour": 8, "minute": 33}
